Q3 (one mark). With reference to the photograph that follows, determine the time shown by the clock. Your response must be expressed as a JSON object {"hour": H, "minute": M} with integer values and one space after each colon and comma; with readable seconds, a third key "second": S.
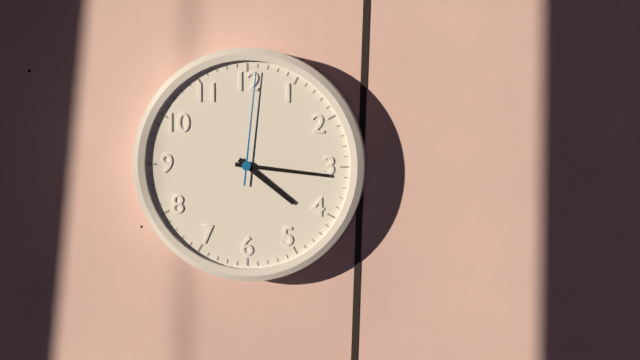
{"hour": 4, "minute": 16, "second": 1}
